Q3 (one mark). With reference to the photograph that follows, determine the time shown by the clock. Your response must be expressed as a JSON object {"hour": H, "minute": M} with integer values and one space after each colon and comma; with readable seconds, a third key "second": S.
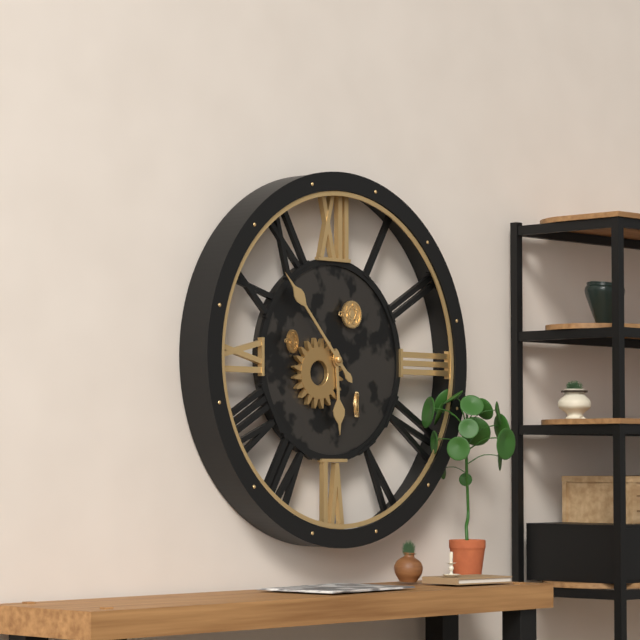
{"hour": 5, "minute": 53}
